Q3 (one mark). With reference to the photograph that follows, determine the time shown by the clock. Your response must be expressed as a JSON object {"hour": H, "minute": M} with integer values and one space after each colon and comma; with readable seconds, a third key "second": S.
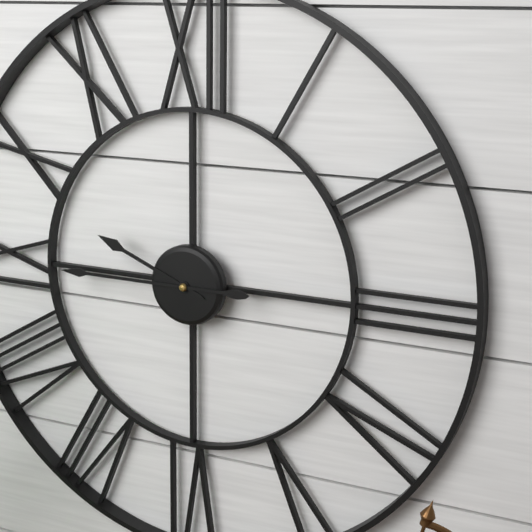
{"hour": 9, "minute": 45}
